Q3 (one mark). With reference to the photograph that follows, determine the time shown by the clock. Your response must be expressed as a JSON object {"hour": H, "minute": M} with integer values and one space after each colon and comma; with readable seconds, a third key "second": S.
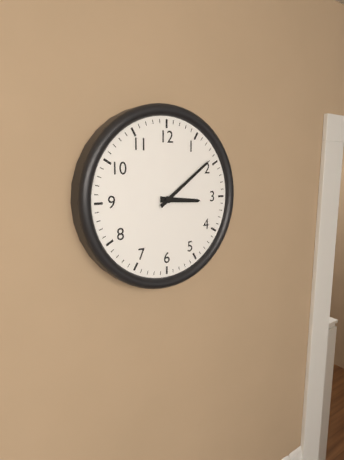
{"hour": 3, "minute": 9}
